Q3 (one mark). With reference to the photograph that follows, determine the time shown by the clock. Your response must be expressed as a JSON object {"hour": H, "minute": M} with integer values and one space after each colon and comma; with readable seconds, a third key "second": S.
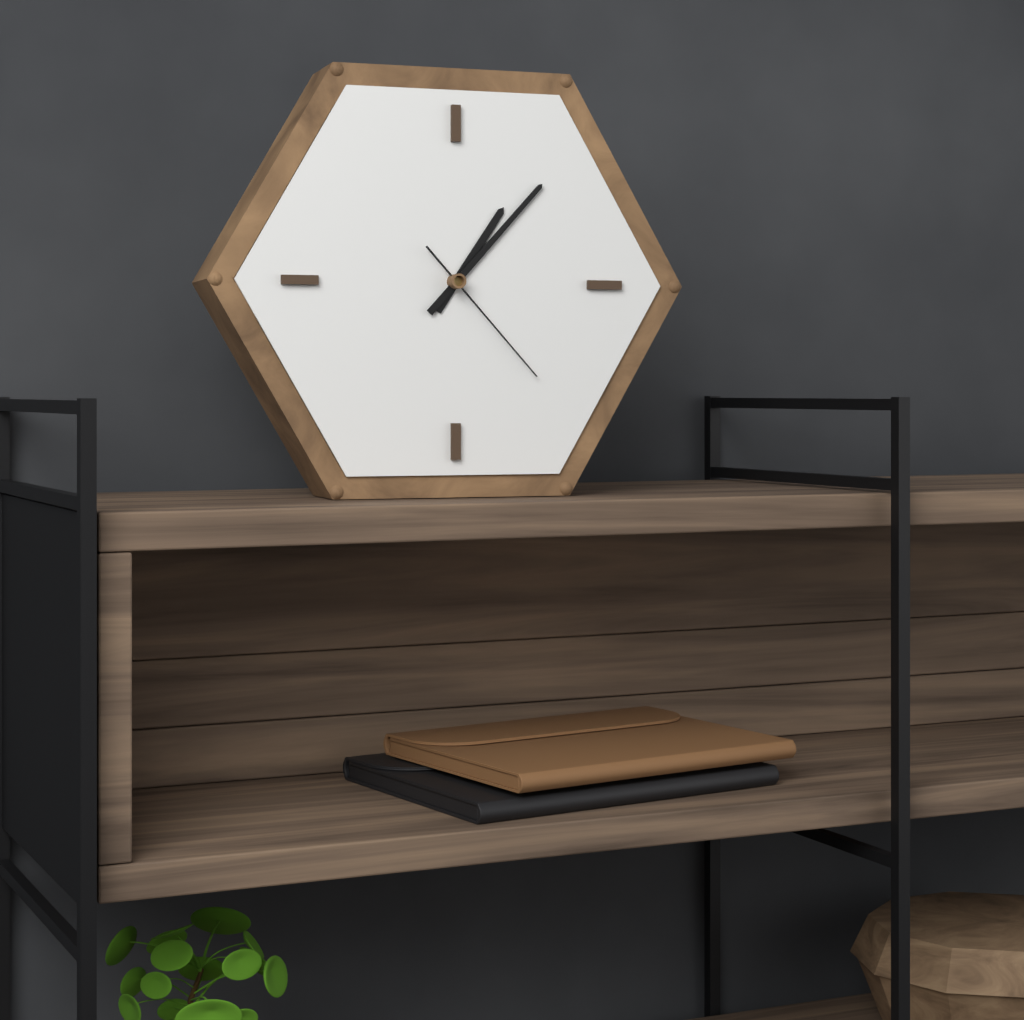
{"hour": 1, "minute": 7, "second": 23}
